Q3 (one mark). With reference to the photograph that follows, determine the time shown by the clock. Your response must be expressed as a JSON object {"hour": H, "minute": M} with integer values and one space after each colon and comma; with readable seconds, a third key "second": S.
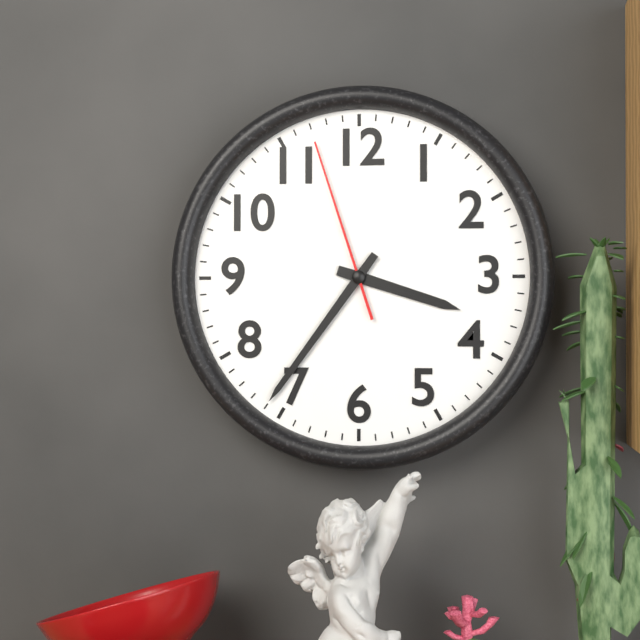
{"hour": 3, "minute": 36, "second": 57}
